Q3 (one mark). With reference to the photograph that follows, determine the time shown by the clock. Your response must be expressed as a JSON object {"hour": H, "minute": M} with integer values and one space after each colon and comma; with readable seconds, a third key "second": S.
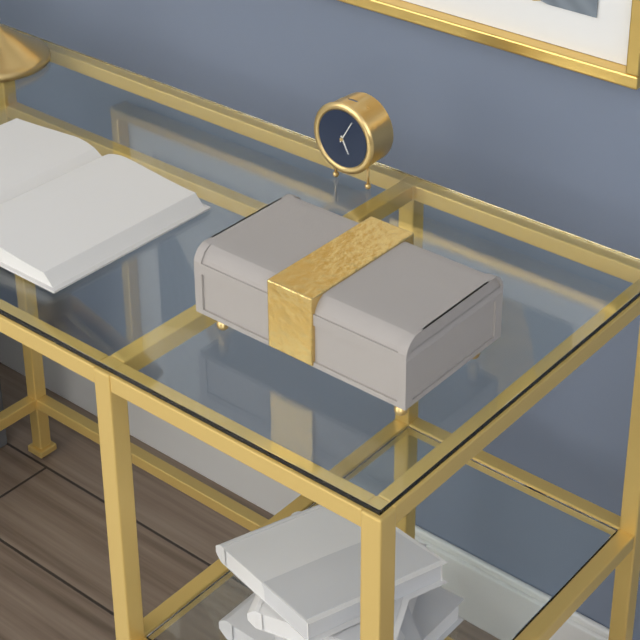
{"hour": 5, "minute": 5}
